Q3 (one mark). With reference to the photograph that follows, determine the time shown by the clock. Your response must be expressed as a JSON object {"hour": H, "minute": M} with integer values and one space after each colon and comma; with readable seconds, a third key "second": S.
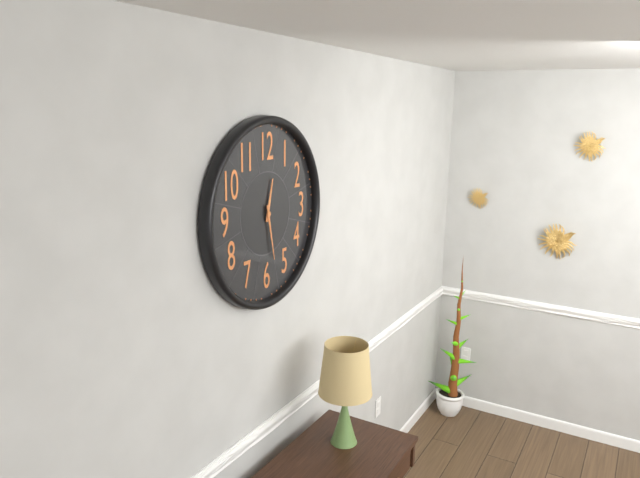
{"hour": 12, "minute": 28}
